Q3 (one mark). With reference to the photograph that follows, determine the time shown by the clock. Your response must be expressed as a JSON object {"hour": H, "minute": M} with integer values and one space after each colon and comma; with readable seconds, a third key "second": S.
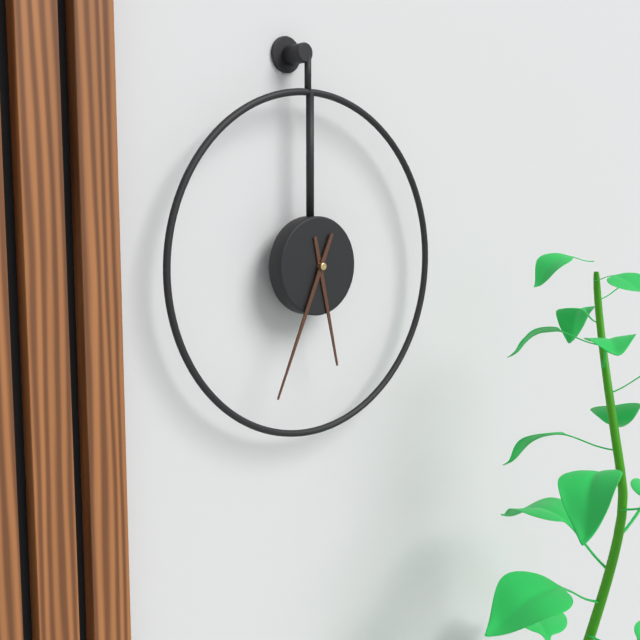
{"hour": 5, "minute": 34}
